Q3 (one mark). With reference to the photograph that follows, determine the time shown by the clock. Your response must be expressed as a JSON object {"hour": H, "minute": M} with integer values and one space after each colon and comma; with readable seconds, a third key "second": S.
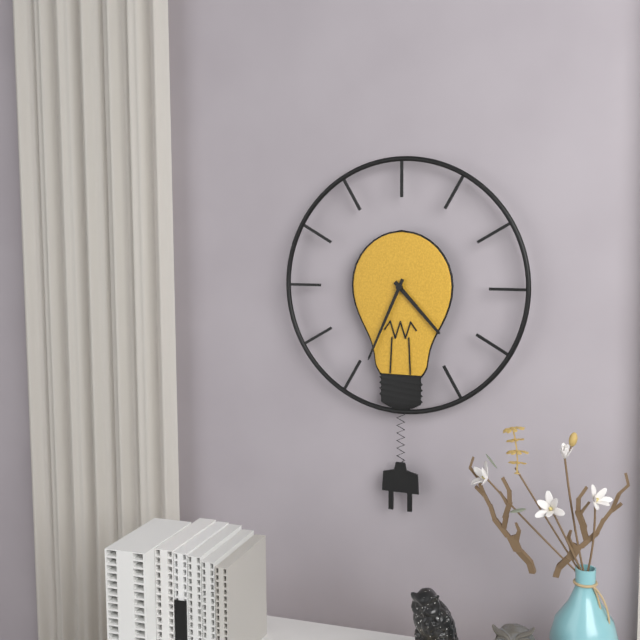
{"hour": 4, "minute": 34}
